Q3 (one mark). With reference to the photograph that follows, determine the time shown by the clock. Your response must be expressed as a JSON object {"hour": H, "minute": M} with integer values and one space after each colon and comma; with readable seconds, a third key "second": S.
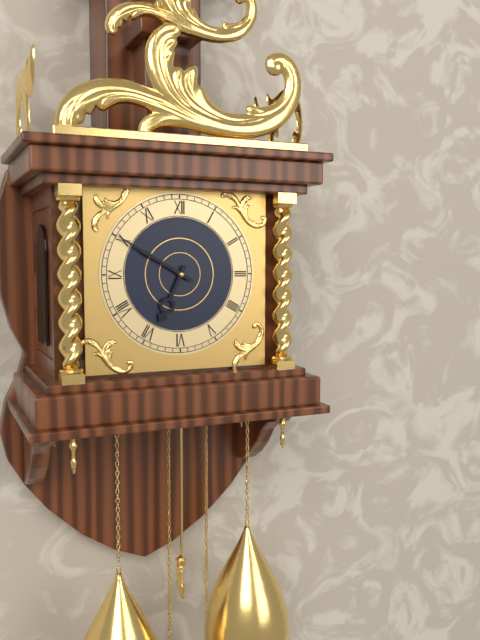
{"hour": 6, "minute": 50}
